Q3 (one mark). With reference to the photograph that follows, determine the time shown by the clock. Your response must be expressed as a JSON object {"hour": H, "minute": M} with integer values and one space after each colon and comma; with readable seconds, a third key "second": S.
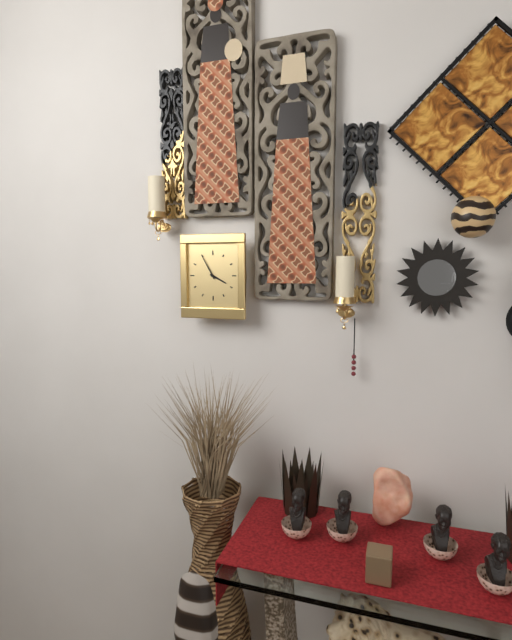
{"hour": 3, "minute": 55}
